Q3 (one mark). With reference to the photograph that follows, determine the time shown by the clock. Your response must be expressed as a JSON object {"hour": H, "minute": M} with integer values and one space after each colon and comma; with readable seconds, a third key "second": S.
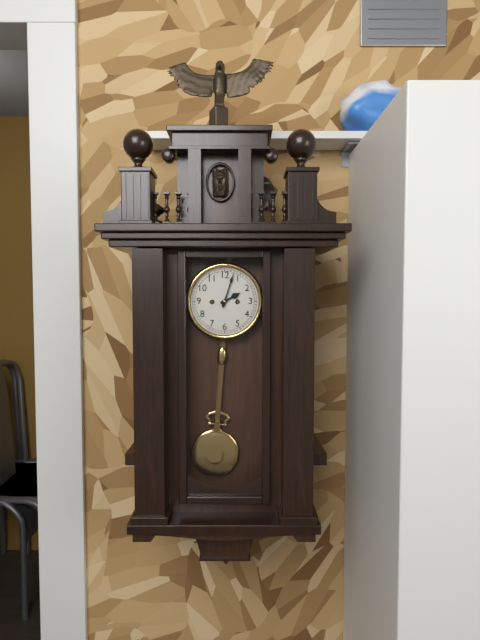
{"hour": 2, "minute": 3}
